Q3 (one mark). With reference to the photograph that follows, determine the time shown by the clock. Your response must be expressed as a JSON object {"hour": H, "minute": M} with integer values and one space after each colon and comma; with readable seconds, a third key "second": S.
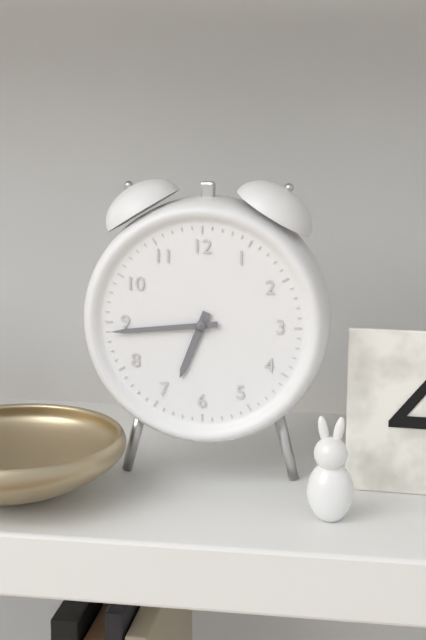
{"hour": 6, "minute": 44}
